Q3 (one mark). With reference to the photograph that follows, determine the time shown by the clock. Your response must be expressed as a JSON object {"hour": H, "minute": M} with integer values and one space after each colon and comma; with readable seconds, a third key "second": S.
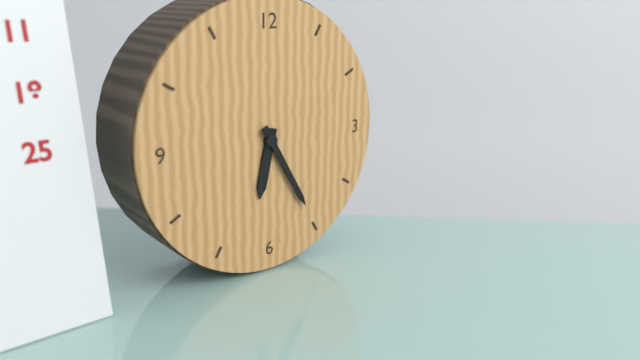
{"hour": 6, "minute": 25}
